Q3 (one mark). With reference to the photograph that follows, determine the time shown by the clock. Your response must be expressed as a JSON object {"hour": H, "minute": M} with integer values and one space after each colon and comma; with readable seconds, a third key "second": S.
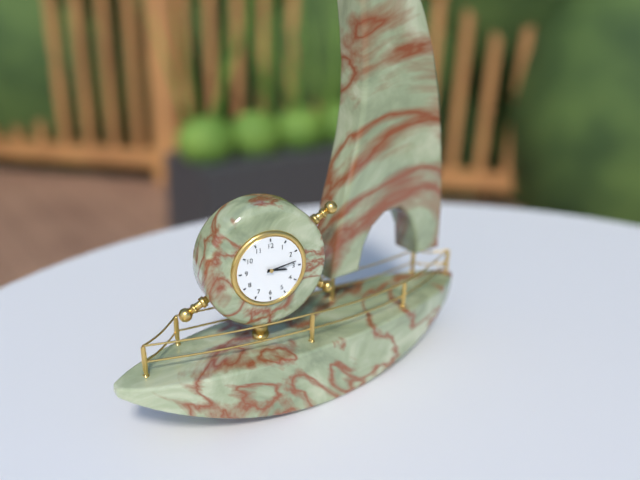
{"hour": 3, "minute": 13}
